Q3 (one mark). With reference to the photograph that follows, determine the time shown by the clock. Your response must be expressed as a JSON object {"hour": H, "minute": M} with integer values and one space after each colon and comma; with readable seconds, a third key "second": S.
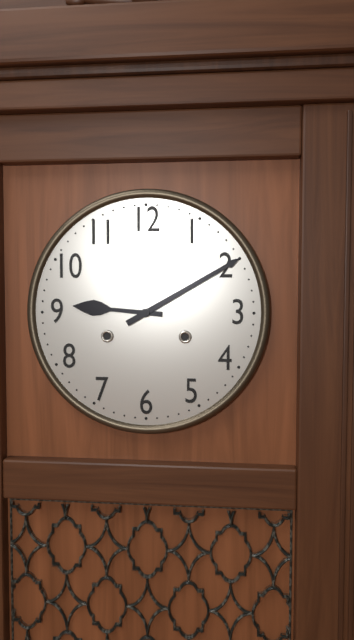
{"hour": 9, "minute": 10}
